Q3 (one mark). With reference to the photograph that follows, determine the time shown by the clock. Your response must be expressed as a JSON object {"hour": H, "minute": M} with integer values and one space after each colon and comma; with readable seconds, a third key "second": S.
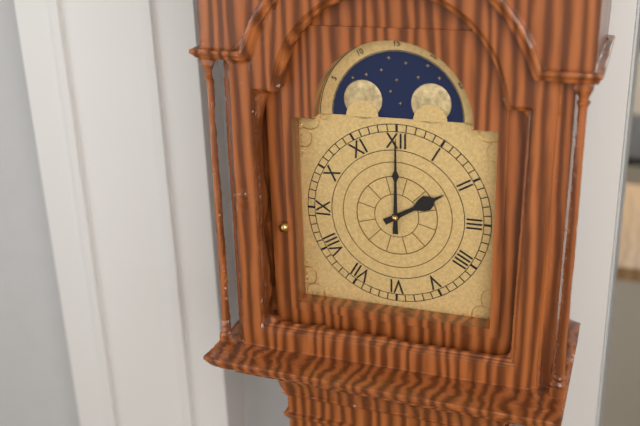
{"hour": 2, "minute": 0}
